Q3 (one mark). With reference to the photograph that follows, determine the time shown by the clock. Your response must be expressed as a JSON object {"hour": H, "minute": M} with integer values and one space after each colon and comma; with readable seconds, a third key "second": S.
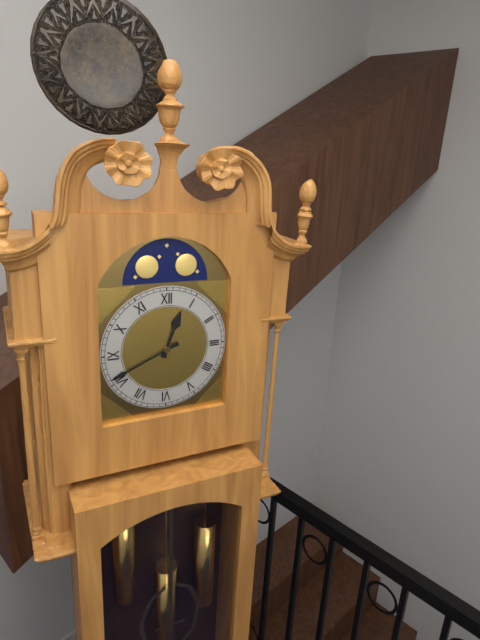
{"hour": 12, "minute": 41}
